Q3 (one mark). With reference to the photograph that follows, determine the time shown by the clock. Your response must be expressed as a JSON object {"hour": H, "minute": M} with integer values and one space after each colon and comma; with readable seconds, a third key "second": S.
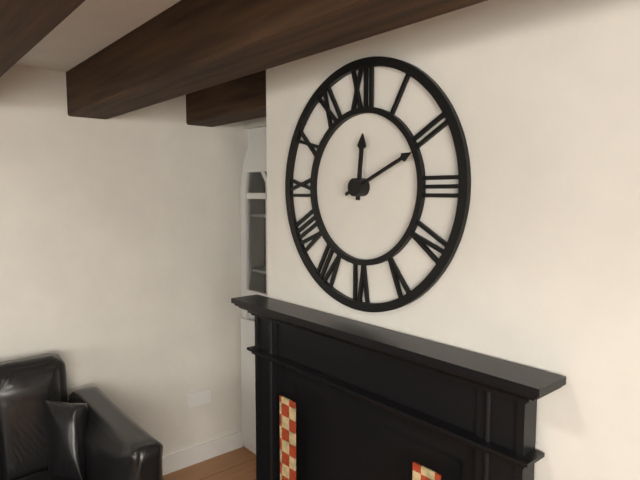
{"hour": 12, "minute": 11}
